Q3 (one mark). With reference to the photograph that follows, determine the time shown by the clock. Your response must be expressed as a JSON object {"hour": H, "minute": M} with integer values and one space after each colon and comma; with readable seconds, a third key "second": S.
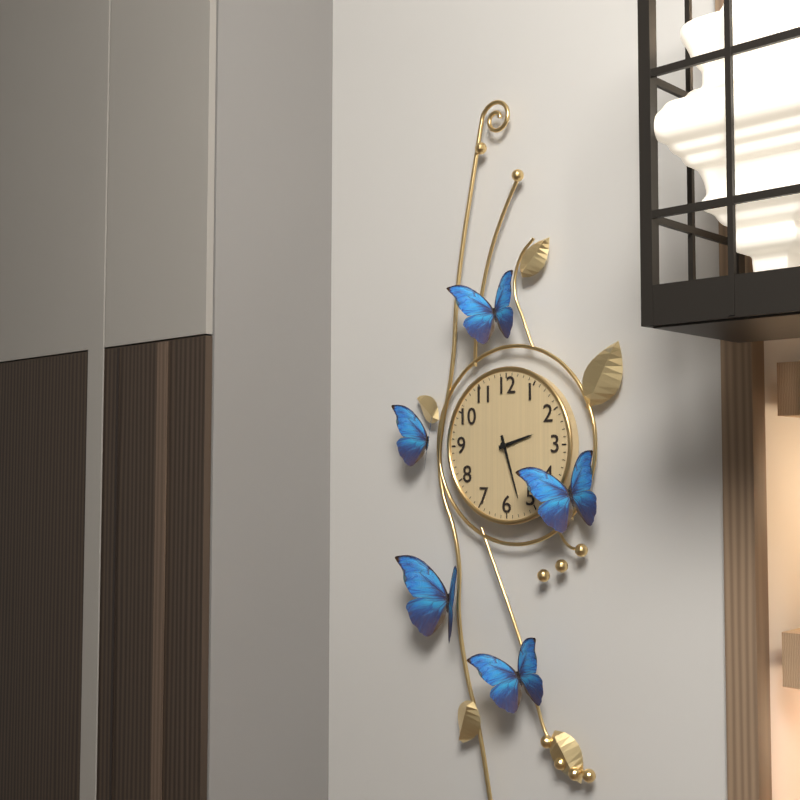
{"hour": 2, "minute": 27}
